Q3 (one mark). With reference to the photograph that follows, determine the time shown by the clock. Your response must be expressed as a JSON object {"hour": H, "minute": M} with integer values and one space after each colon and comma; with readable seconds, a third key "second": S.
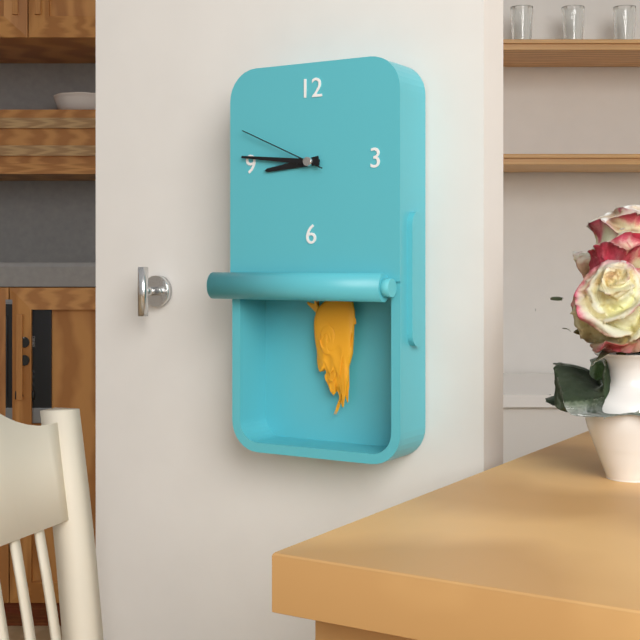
{"hour": 8, "minute": 46, "second": 49}
